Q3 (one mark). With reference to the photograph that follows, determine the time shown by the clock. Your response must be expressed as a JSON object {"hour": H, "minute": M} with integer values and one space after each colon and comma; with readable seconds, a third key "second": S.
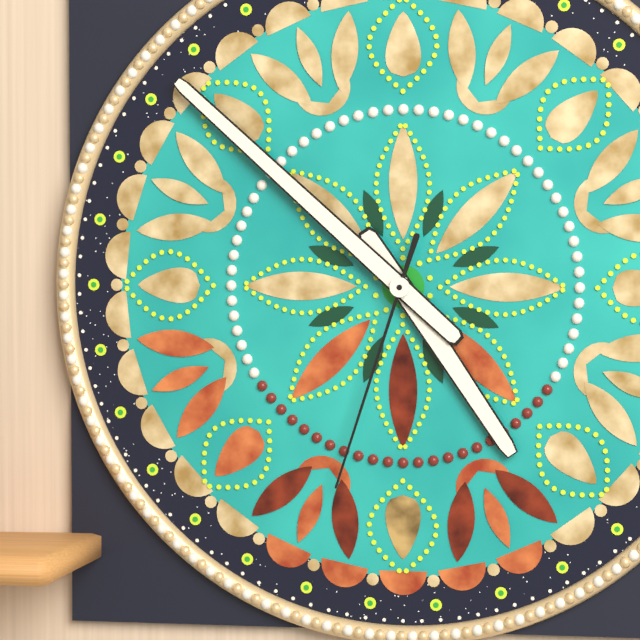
{"hour": 4, "minute": 52, "second": 33}
